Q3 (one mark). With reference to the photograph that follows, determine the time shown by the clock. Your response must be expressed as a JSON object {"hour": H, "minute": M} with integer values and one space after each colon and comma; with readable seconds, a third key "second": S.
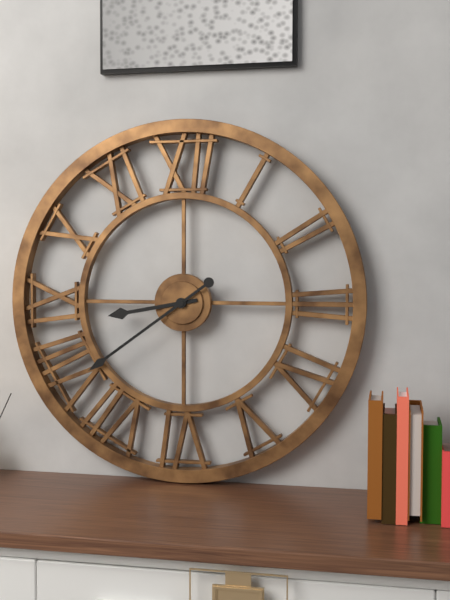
{"hour": 8, "minute": 39}
